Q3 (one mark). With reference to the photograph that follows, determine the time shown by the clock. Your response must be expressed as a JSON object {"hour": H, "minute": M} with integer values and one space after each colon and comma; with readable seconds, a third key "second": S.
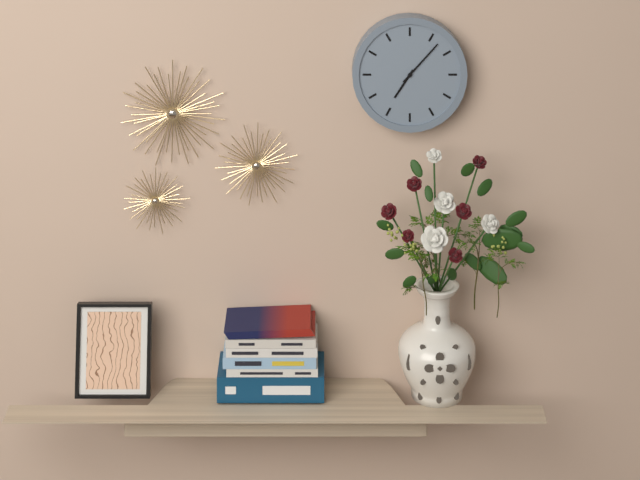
{"hour": 7, "minute": 7}
